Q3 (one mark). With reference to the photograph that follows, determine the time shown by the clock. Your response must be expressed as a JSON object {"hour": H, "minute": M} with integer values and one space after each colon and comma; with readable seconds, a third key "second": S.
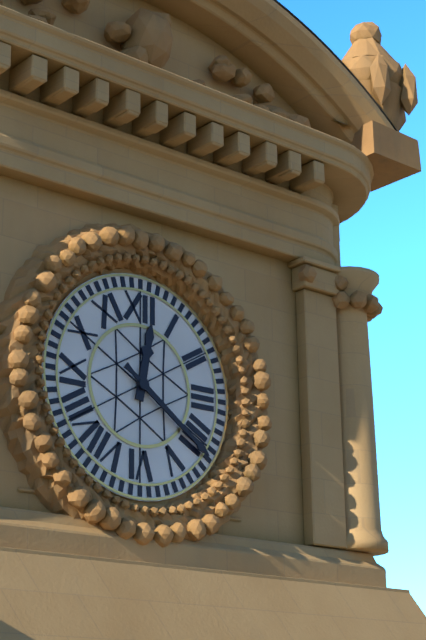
{"hour": 12, "minute": 21}
